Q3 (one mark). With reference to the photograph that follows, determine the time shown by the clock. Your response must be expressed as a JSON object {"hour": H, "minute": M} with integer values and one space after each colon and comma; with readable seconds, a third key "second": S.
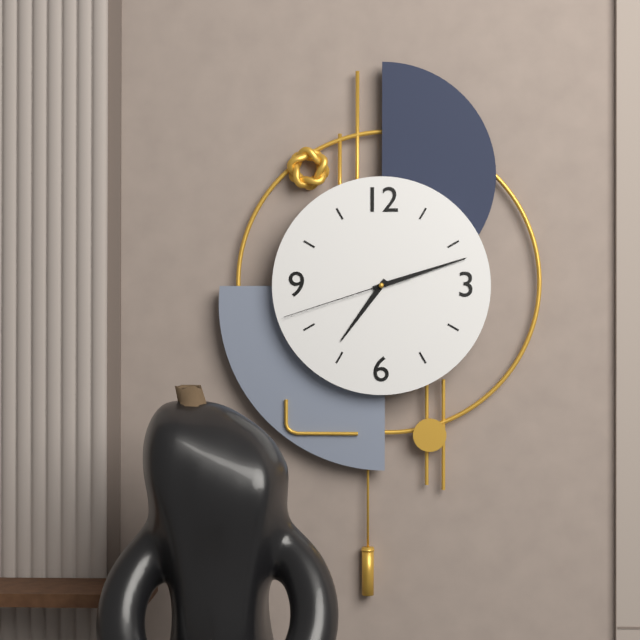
{"hour": 7, "minute": 12, "second": 42}
